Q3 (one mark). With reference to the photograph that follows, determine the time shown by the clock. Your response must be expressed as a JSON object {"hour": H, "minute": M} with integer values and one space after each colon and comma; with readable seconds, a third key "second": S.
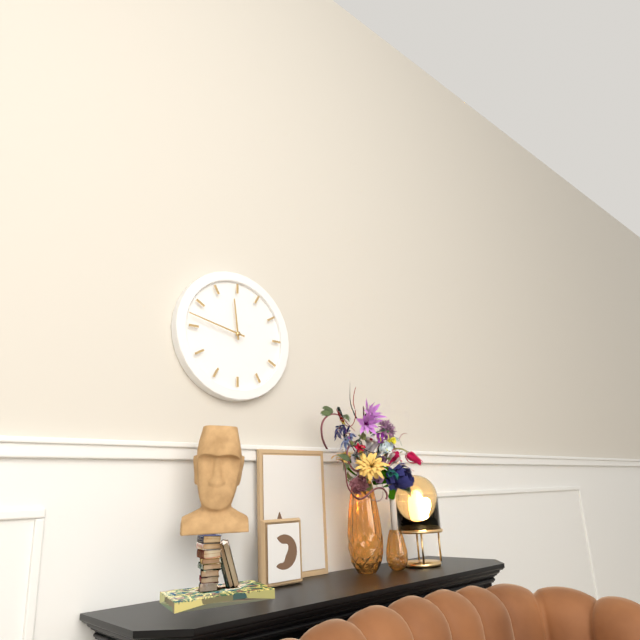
{"hour": 11, "minute": 47}
